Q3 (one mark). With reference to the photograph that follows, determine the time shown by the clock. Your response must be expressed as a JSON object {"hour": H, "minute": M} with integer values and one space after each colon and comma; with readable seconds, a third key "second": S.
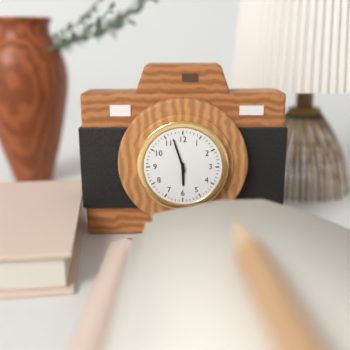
{"hour": 5, "minute": 57}
